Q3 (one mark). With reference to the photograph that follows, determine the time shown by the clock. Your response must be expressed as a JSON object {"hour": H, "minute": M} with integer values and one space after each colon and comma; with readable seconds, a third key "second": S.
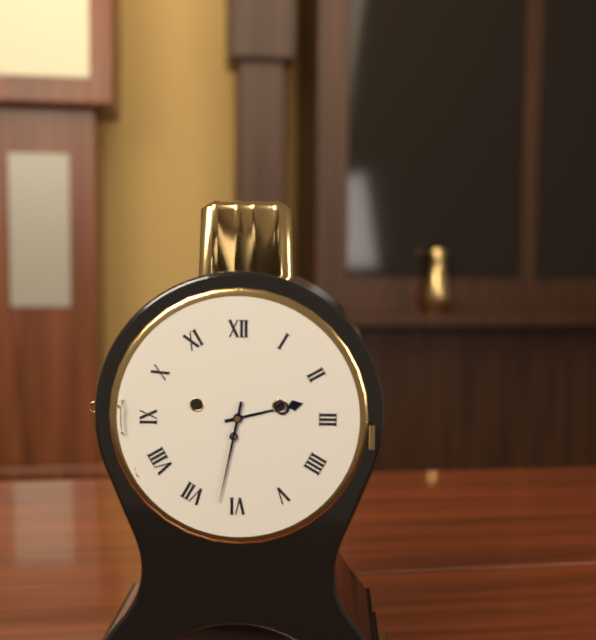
{"hour": 2, "minute": 32}
